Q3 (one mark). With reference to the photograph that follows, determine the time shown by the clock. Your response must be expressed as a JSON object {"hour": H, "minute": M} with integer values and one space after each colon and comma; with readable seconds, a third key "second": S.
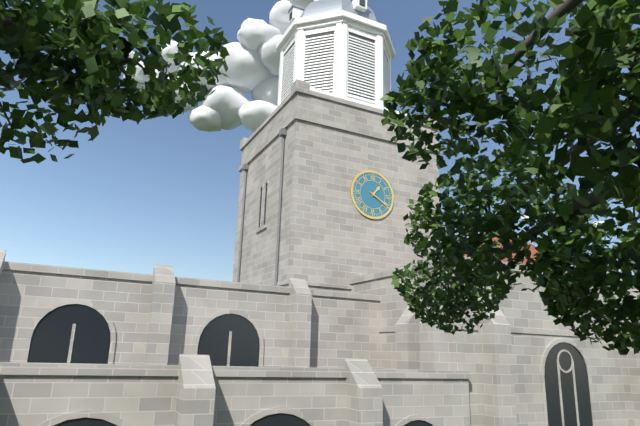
{"hour": 1, "minute": 20}
